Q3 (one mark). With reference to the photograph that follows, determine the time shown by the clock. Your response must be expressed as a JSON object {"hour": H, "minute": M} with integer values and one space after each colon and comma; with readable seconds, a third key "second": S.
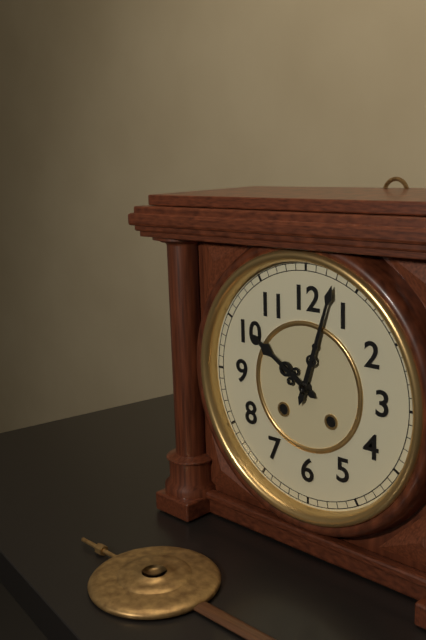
{"hour": 10, "minute": 3}
